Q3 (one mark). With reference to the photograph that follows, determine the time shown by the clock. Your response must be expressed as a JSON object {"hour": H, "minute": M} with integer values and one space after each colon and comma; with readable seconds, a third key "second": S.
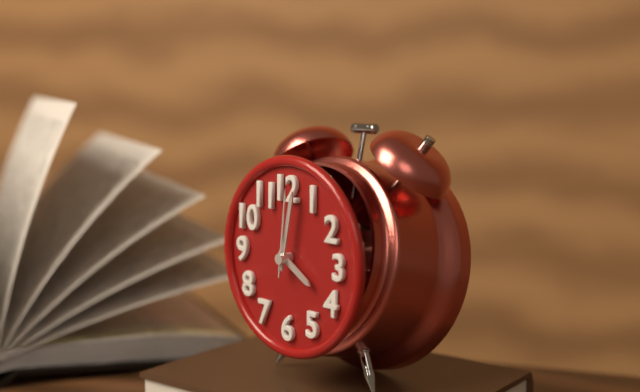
{"hour": 4, "minute": 2, "second": 1}
